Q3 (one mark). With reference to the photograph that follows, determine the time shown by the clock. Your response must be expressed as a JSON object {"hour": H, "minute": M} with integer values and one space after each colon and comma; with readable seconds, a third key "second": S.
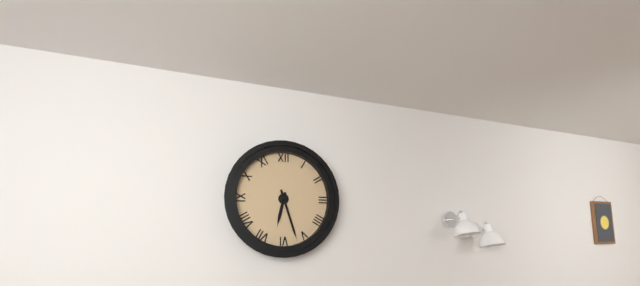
{"hour": 6, "minute": 27}
